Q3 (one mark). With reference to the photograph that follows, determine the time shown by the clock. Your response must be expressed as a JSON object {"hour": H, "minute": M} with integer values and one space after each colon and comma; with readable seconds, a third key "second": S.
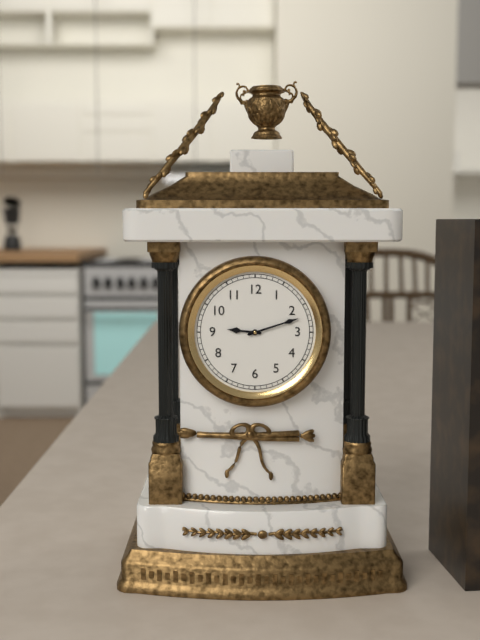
{"hour": 9, "minute": 12}
